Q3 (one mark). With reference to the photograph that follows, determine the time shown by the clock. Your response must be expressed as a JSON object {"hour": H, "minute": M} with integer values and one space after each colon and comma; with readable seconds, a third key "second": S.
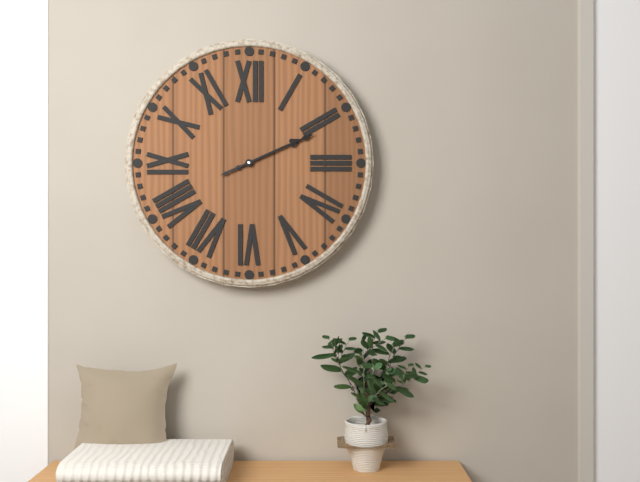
{"hour": 2, "minute": 11}
